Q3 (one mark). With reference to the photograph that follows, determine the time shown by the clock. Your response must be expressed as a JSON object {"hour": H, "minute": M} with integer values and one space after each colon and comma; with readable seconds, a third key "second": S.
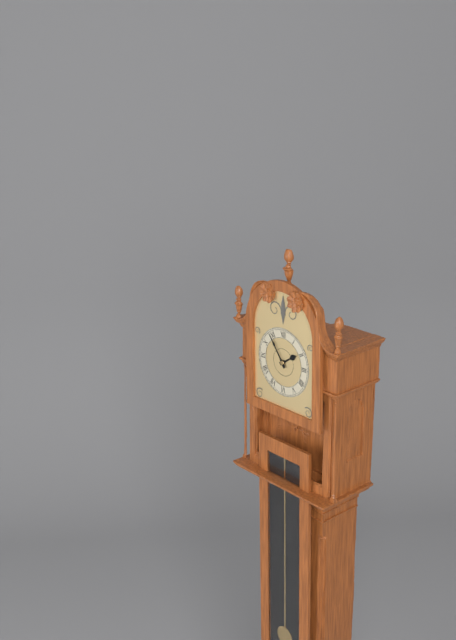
{"hour": 1, "minute": 54}
